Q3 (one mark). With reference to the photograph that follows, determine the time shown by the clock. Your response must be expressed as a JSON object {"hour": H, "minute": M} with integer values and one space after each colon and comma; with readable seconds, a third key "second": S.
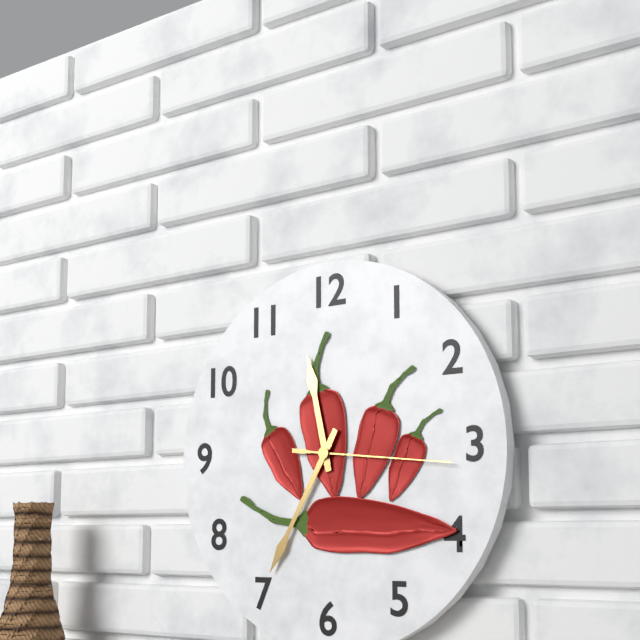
{"hour": 11, "minute": 35, "second": 16}
